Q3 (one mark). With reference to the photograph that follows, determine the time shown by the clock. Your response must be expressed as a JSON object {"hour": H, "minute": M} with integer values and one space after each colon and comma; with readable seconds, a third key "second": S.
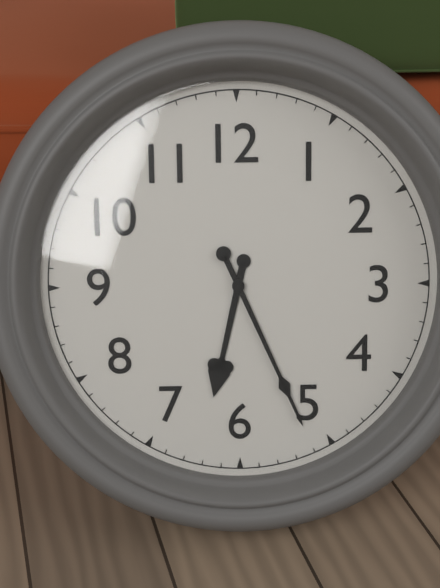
{"hour": 6, "minute": 26}
